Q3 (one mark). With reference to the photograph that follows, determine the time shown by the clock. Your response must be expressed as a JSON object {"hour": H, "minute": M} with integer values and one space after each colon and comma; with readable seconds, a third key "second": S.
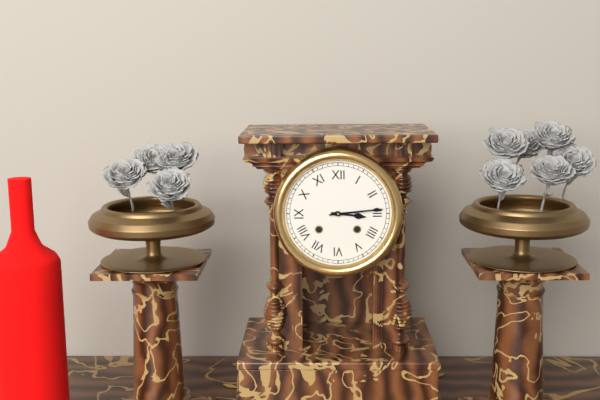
{"hour": 3, "minute": 14}
